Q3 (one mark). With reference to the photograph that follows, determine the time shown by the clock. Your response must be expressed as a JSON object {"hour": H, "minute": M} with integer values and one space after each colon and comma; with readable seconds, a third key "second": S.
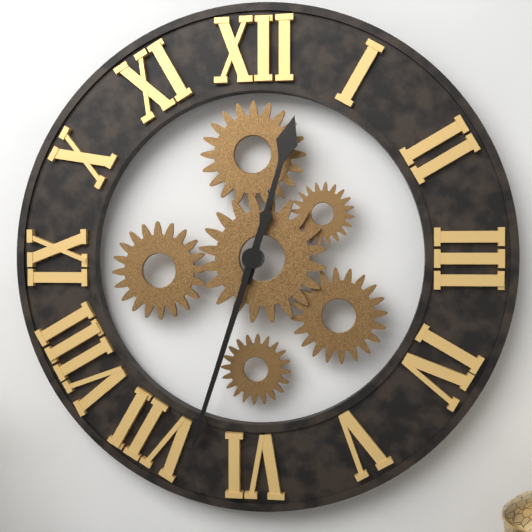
{"hour": 12, "minute": 33}
